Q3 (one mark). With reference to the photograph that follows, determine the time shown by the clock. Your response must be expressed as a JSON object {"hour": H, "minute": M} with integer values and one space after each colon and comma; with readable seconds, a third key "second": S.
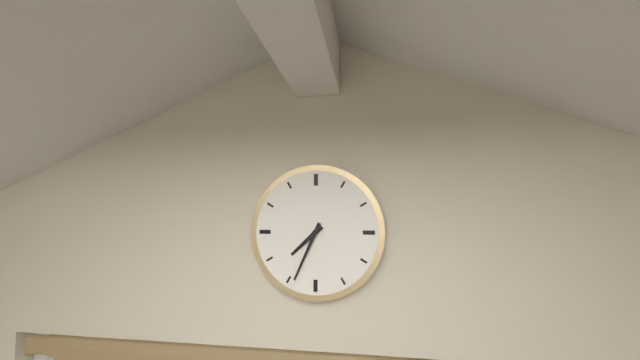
{"hour": 7, "minute": 34}
